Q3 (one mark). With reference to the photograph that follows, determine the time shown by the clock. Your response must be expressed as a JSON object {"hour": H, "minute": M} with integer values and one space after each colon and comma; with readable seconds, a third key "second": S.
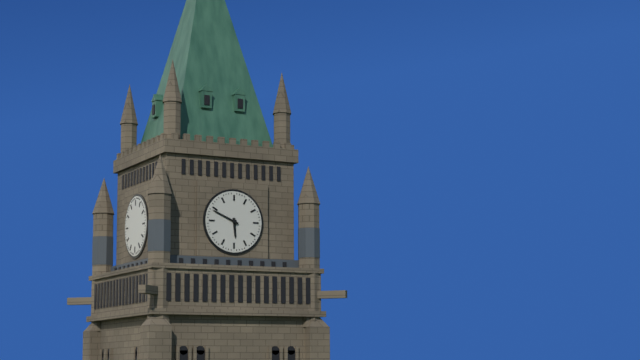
{"hour": 5, "minute": 49}
